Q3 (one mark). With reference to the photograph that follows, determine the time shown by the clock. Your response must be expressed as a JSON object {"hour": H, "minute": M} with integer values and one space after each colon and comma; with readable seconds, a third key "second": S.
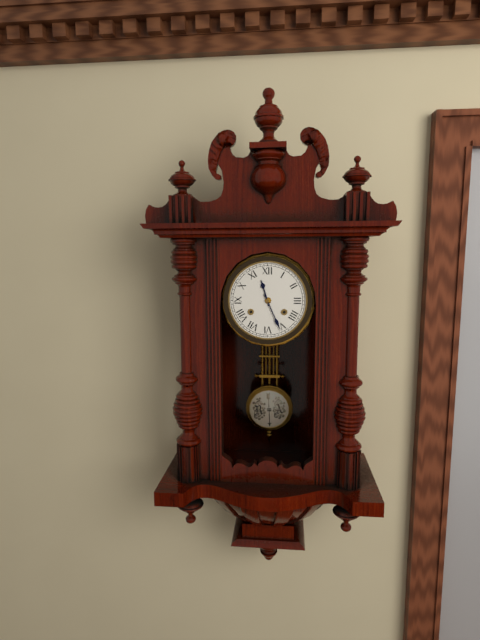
{"hour": 11, "minute": 26}
